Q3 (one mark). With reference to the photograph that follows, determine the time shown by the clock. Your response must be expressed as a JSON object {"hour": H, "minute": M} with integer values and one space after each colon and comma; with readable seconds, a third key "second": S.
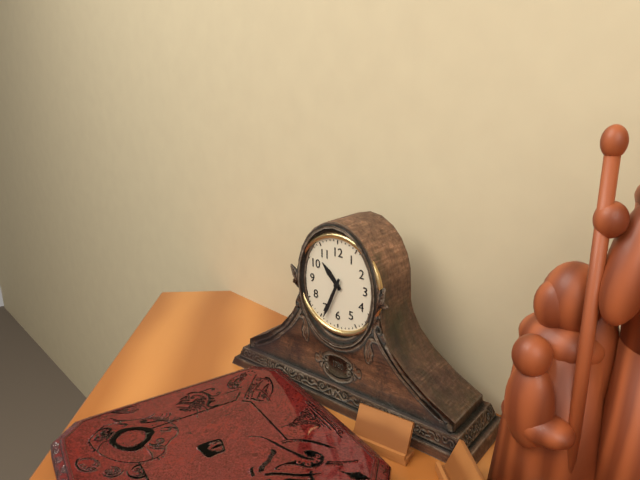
{"hour": 10, "minute": 34}
